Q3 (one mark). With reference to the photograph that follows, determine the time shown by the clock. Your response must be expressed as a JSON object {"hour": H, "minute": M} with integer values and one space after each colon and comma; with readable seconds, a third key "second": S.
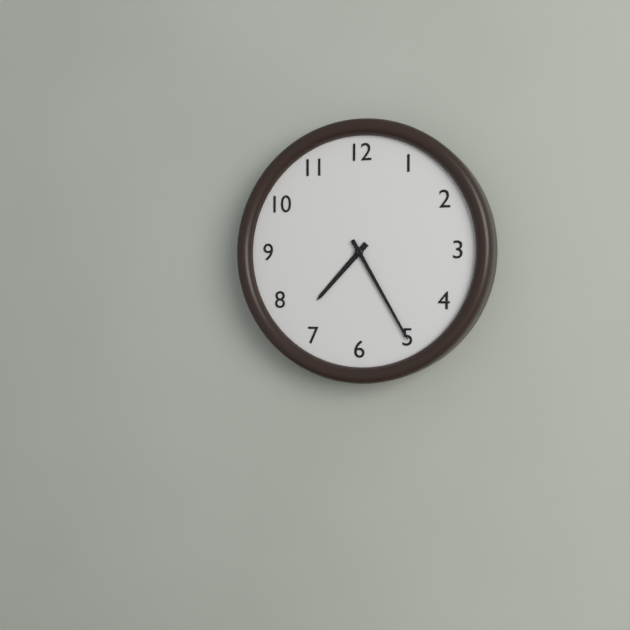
{"hour": 7, "minute": 25}
